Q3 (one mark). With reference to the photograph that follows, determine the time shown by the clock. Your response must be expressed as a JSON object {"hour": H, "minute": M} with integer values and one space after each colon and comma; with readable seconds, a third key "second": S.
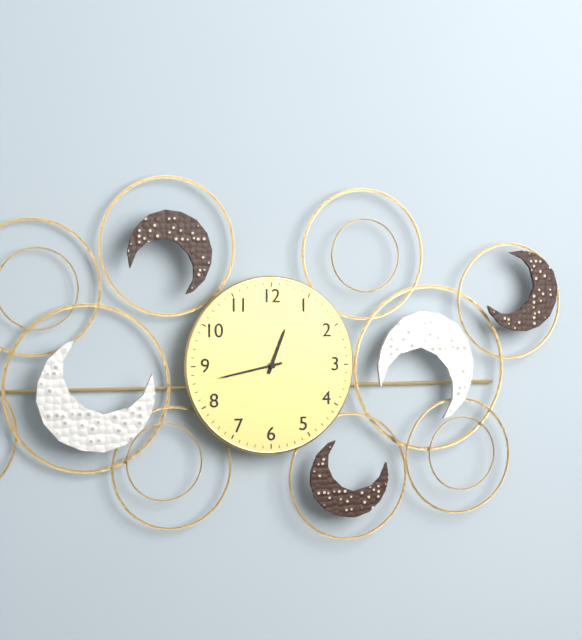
{"hour": 12, "minute": 43}
